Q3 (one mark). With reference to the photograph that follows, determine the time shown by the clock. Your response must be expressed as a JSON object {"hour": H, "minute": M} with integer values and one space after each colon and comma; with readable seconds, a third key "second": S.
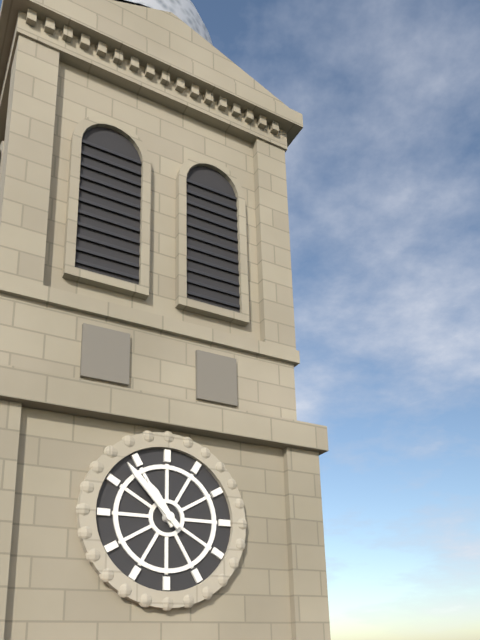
{"hour": 10, "minute": 53}
